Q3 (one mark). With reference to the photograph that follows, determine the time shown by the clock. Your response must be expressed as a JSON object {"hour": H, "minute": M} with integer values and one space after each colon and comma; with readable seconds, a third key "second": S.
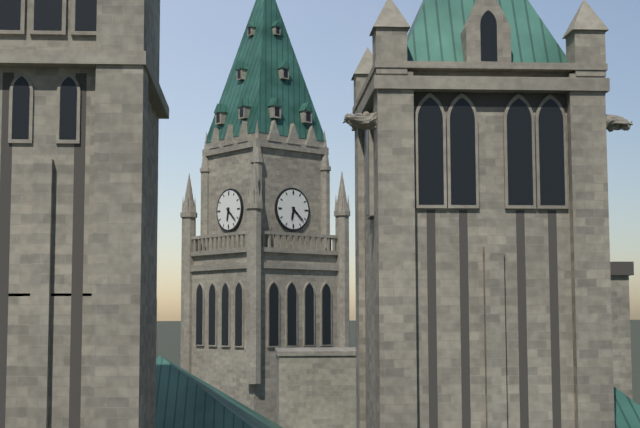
{"hour": 6, "minute": 22}
